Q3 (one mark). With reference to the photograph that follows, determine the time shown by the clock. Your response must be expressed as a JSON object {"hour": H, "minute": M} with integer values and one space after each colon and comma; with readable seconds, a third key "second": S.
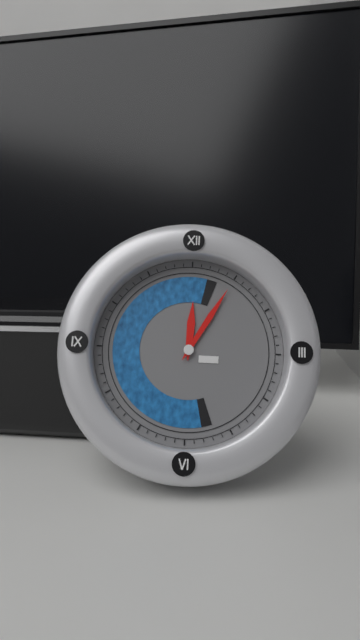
{"hour": 12, "minute": 5}
